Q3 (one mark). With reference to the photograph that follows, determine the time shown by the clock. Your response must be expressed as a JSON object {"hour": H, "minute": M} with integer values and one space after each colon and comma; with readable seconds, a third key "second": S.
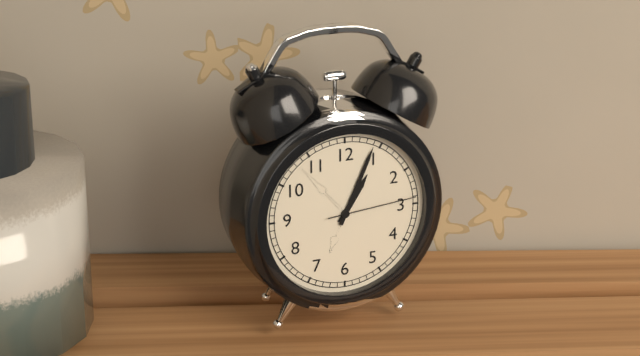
{"hour": 1, "minute": 4, "second": 14}
